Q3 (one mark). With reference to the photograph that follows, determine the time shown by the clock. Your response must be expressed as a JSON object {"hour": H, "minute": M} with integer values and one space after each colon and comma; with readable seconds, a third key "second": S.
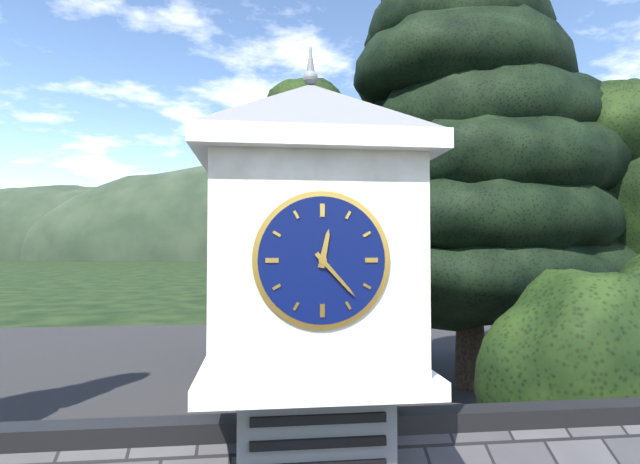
{"hour": 12, "minute": 23}
